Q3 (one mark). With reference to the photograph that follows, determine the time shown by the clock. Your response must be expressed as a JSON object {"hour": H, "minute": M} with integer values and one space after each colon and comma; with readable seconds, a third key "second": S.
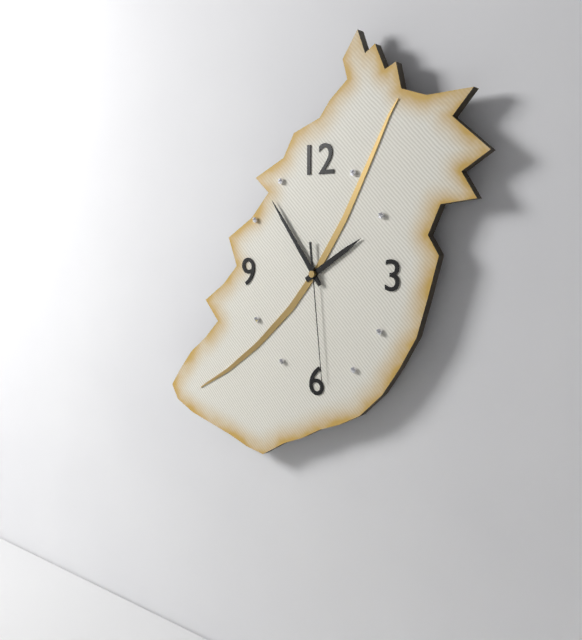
{"hour": 1, "minute": 54, "second": 29}
